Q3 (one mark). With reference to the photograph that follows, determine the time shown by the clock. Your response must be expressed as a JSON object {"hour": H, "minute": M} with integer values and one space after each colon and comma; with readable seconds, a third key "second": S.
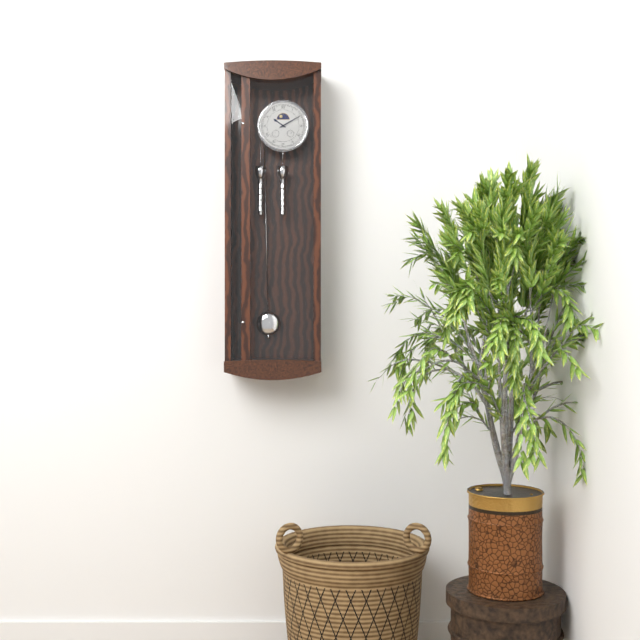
{"hour": 10, "minute": 10}
